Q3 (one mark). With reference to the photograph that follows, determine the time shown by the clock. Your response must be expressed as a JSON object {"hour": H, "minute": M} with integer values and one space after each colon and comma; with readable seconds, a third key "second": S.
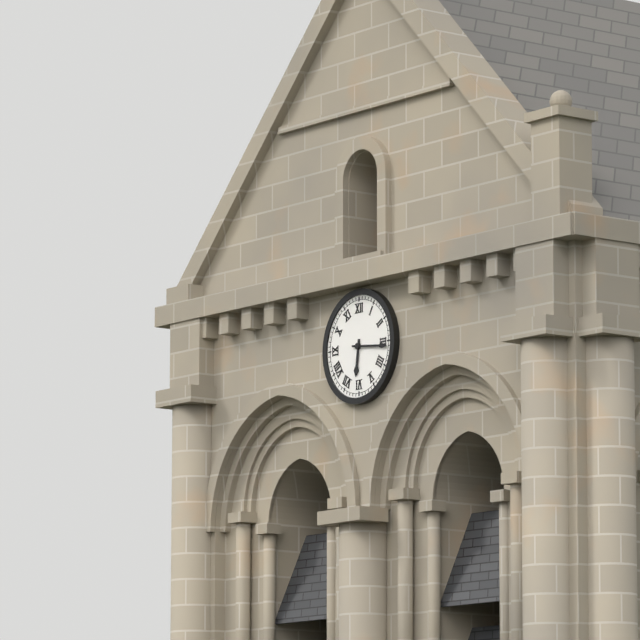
{"hour": 6, "minute": 16}
